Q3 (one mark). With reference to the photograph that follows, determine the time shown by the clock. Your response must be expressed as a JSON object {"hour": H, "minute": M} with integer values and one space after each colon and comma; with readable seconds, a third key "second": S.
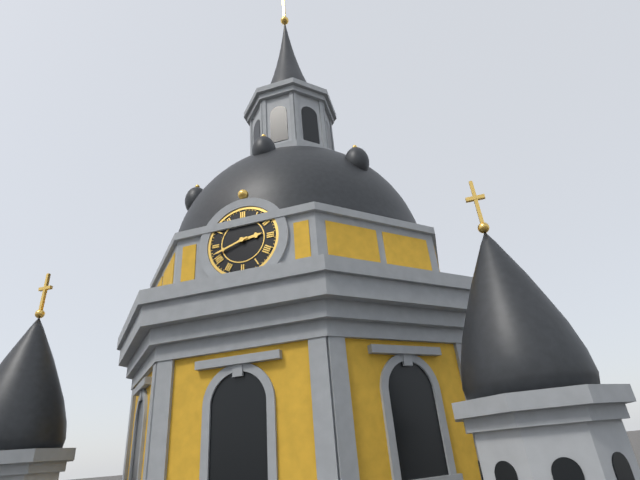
{"hour": 2, "minute": 42}
